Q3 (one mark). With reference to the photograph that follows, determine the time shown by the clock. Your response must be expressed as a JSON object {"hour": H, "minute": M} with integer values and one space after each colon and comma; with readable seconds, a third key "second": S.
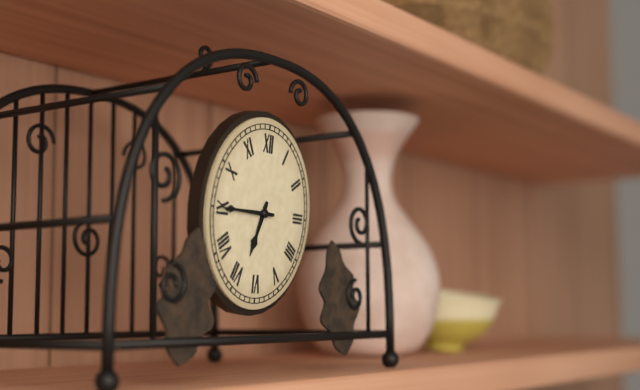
{"hour": 6, "minute": 45}
